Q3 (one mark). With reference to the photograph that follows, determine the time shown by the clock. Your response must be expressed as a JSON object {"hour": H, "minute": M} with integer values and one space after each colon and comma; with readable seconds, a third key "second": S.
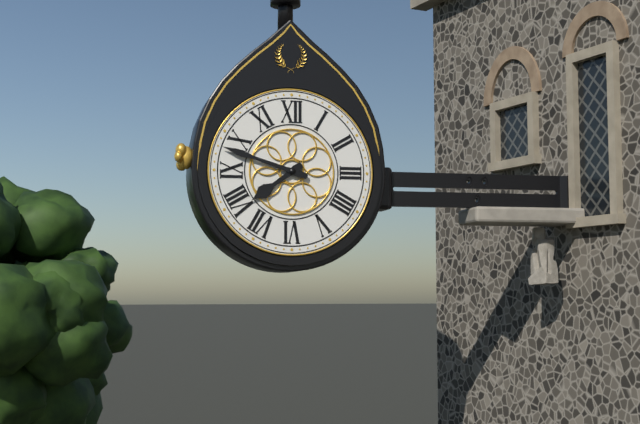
{"hour": 7, "minute": 48}
